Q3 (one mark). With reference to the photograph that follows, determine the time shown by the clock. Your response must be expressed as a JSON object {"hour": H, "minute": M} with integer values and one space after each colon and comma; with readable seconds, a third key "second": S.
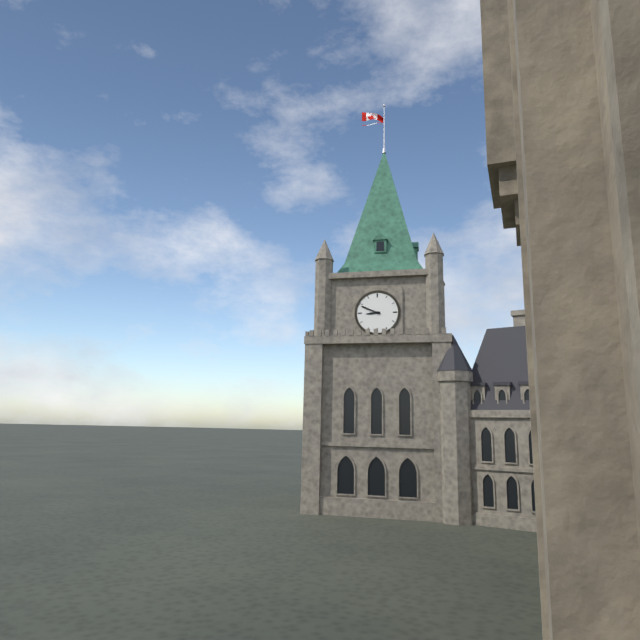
{"hour": 8, "minute": 49}
